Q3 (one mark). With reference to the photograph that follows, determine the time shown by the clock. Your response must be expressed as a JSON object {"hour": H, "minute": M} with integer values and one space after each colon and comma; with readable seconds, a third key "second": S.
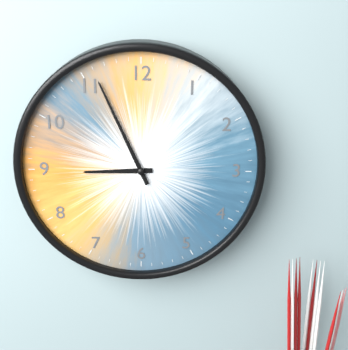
{"hour": 8, "minute": 56}
